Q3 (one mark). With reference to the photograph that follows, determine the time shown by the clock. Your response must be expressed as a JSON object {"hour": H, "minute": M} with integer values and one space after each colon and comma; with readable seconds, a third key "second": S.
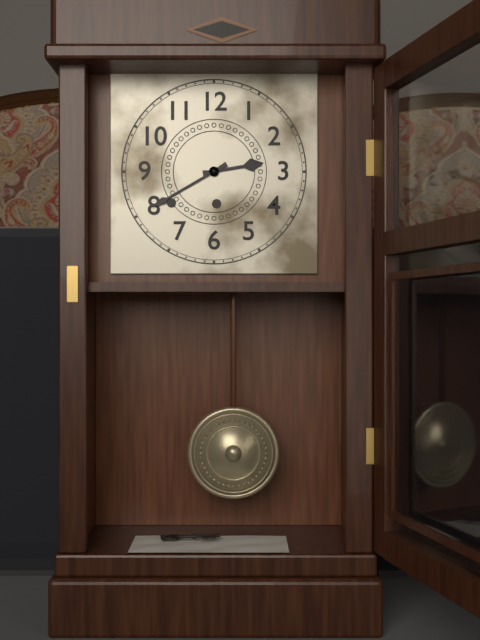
{"hour": 2, "minute": 40}
